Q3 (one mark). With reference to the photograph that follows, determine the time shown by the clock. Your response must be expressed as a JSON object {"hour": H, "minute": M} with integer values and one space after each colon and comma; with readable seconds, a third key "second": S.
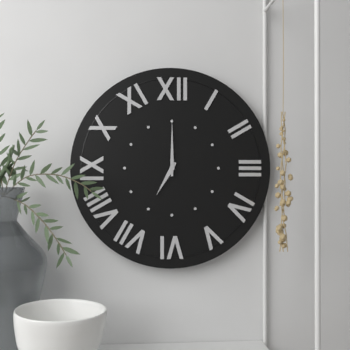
{"hour": 7, "minute": 0}
